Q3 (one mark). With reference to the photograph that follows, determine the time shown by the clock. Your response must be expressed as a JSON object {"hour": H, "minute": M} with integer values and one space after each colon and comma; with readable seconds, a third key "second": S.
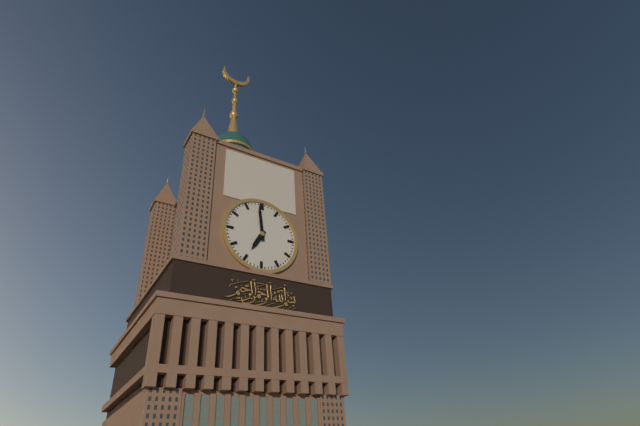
{"hour": 6, "minute": 59}
